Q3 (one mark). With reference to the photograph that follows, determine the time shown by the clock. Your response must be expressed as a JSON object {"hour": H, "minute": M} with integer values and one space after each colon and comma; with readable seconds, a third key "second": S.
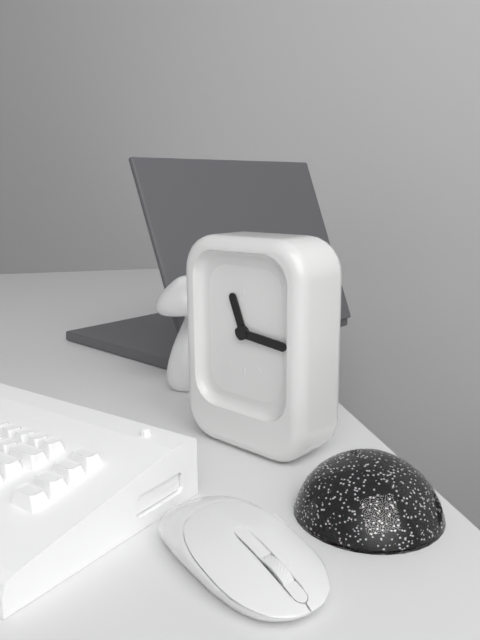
{"hour": 11, "minute": 16}
